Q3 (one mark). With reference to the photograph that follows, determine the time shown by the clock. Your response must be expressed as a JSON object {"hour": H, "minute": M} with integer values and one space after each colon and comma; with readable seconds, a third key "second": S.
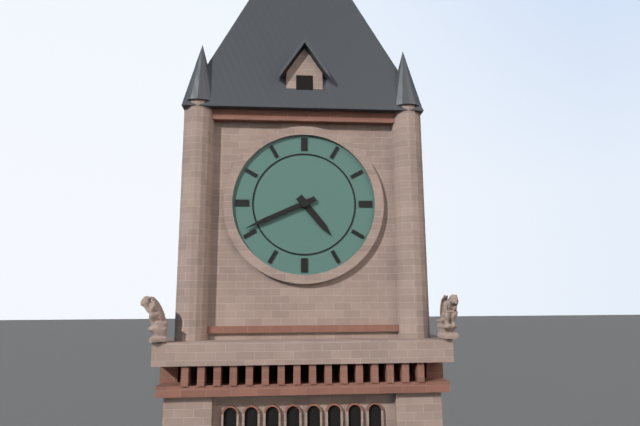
{"hour": 4, "minute": 41}
